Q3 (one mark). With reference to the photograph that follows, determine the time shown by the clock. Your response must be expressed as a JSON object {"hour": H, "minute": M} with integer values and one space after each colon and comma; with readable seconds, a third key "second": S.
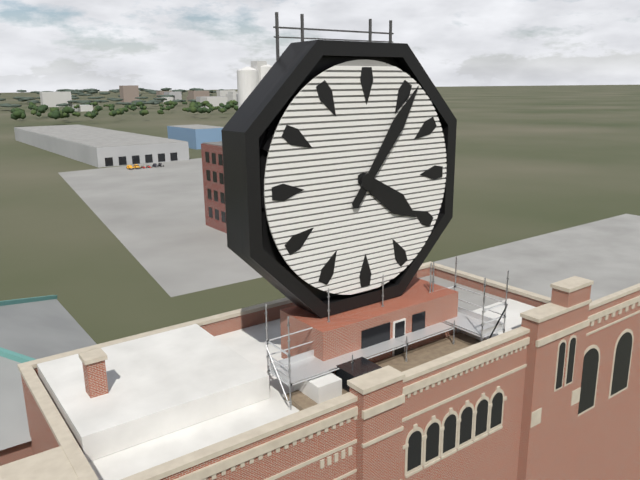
{"hour": 4, "minute": 6}
